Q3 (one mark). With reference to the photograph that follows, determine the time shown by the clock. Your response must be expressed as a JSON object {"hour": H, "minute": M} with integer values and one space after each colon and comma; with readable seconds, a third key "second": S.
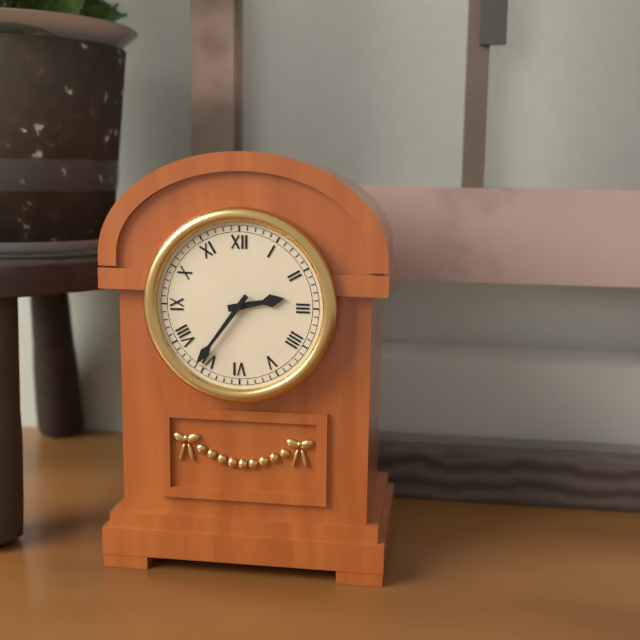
{"hour": 2, "minute": 36}
